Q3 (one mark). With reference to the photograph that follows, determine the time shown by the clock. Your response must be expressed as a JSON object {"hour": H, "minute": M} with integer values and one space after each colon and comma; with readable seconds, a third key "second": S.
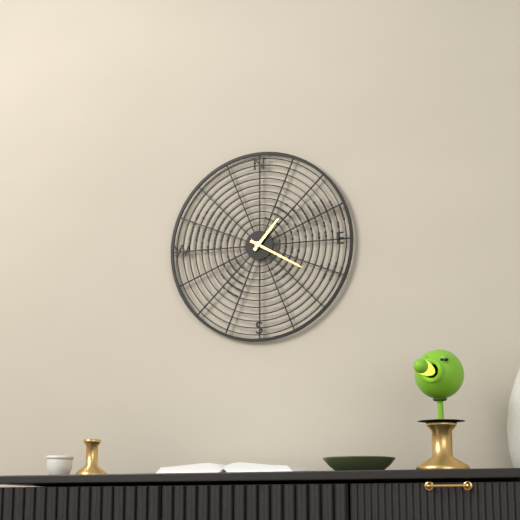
{"hour": 1, "minute": 20}
